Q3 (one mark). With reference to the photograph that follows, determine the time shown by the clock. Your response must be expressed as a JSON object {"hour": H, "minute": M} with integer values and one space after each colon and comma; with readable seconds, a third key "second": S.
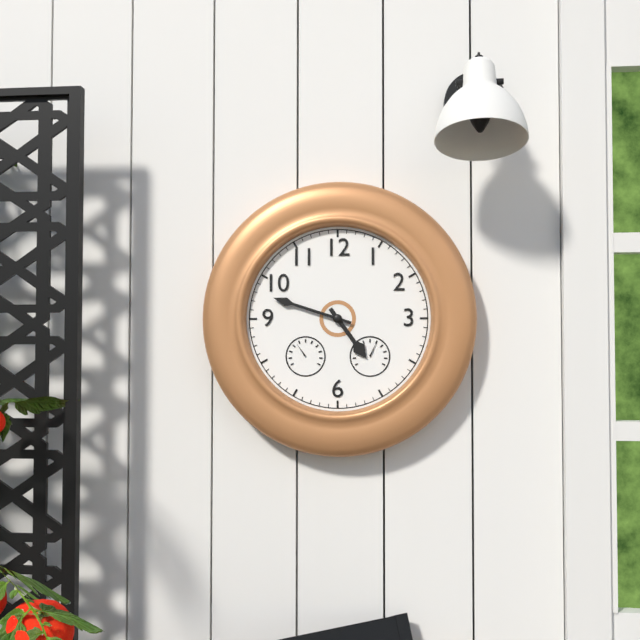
{"hour": 4, "minute": 48}
